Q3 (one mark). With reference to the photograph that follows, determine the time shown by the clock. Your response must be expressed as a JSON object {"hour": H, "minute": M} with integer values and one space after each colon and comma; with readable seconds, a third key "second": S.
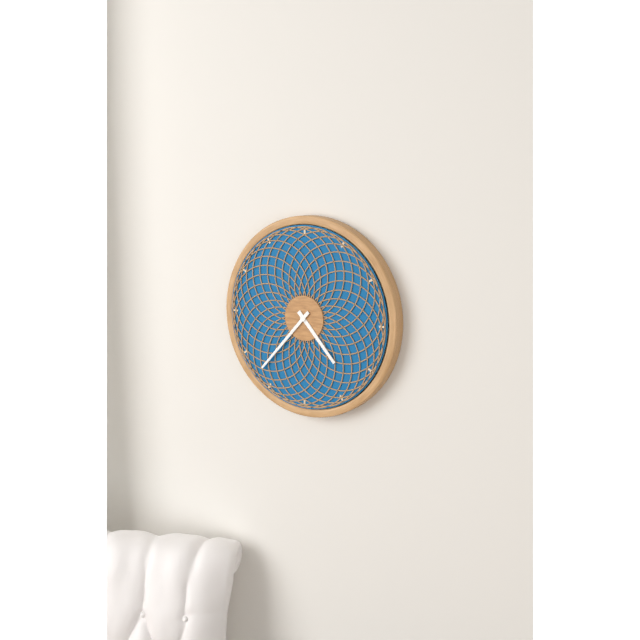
{"hour": 4, "minute": 37}
